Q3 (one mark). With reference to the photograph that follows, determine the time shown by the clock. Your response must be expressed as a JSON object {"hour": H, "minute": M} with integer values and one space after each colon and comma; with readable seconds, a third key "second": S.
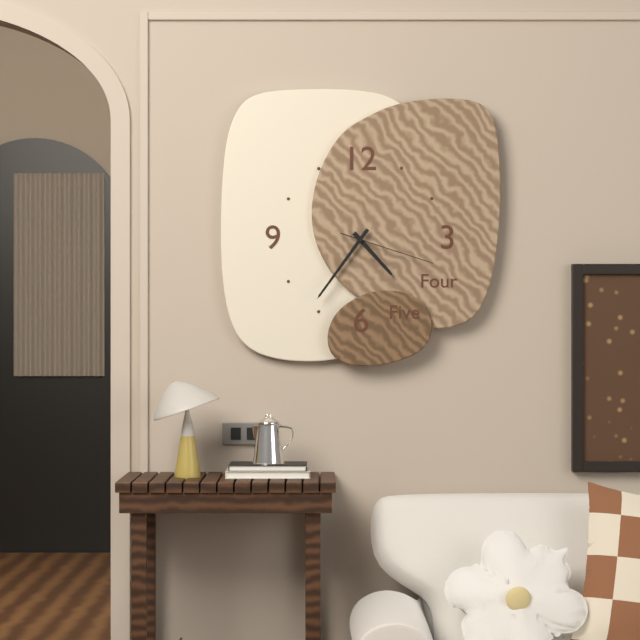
{"hour": 4, "minute": 36, "second": 18}
